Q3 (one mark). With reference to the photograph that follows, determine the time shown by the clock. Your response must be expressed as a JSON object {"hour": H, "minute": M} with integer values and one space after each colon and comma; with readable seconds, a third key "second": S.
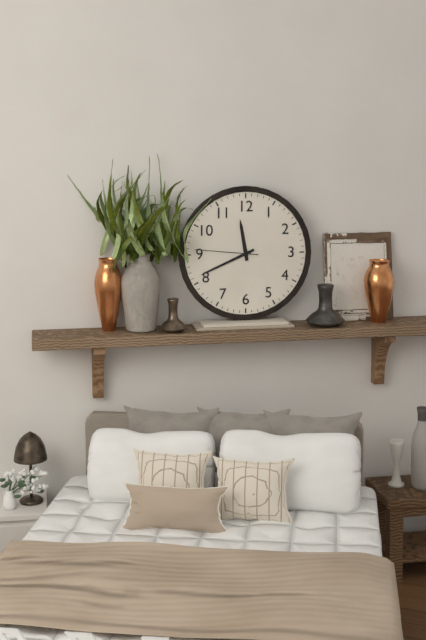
{"hour": 11, "minute": 41, "second": 46}
